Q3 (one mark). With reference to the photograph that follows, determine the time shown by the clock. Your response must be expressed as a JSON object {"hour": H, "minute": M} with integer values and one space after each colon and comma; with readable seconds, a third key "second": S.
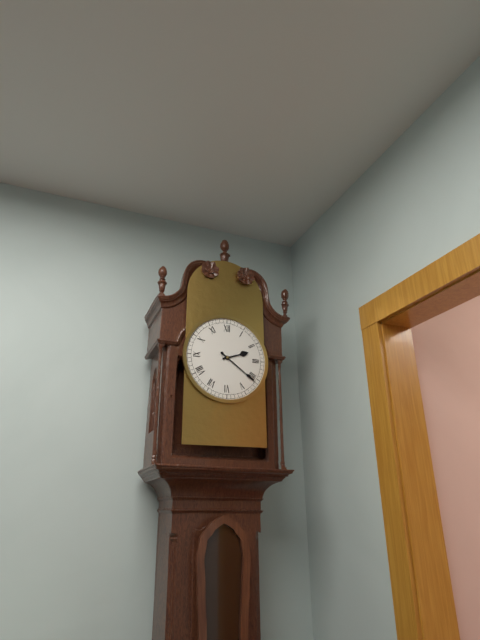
{"hour": 2, "minute": 21}
